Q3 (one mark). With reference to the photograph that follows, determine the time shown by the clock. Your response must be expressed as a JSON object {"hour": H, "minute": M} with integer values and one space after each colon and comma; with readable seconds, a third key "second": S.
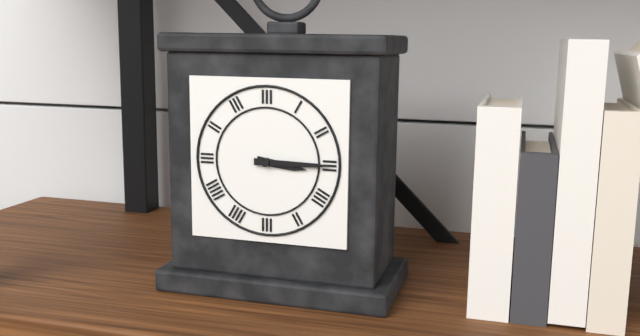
{"hour": 3, "minute": 15}
